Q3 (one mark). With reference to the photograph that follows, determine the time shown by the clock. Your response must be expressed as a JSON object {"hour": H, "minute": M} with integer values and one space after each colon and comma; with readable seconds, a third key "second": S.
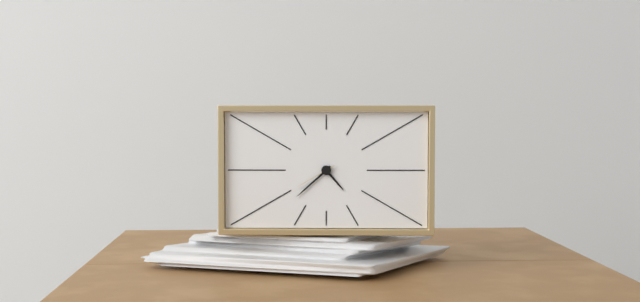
{"hour": 4, "minute": 38}
